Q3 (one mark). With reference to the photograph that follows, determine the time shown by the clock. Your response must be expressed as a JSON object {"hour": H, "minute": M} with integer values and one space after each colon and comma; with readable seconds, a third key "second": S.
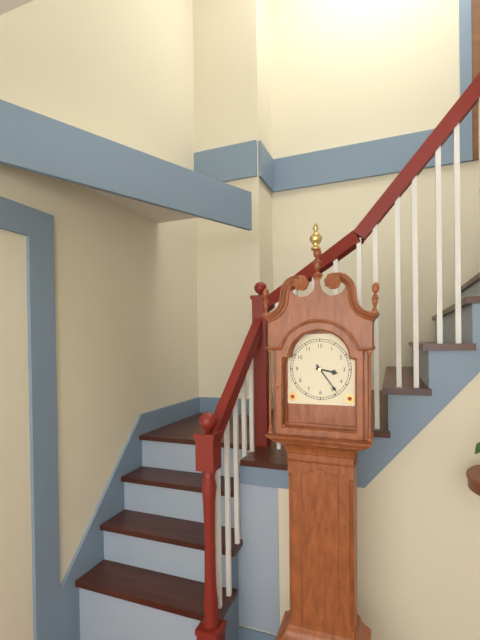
{"hour": 3, "minute": 24}
